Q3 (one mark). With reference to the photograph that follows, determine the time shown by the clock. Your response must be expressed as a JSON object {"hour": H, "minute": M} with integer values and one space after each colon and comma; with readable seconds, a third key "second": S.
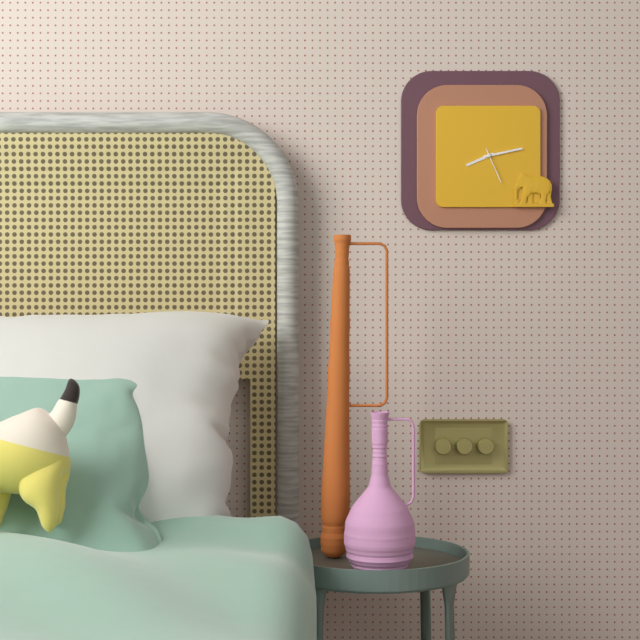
{"hour": 8, "minute": 13}
